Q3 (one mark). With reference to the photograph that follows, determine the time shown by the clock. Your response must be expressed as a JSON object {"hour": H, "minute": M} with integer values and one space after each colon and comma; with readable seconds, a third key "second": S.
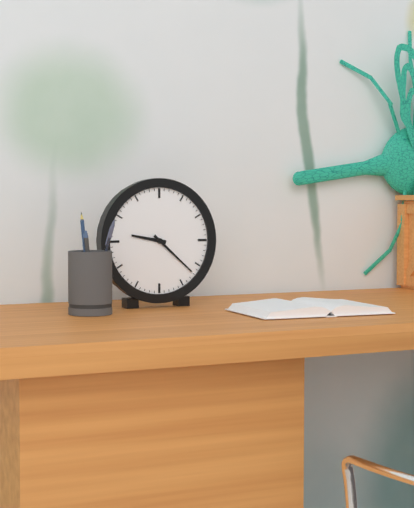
{"hour": 9, "minute": 22}
